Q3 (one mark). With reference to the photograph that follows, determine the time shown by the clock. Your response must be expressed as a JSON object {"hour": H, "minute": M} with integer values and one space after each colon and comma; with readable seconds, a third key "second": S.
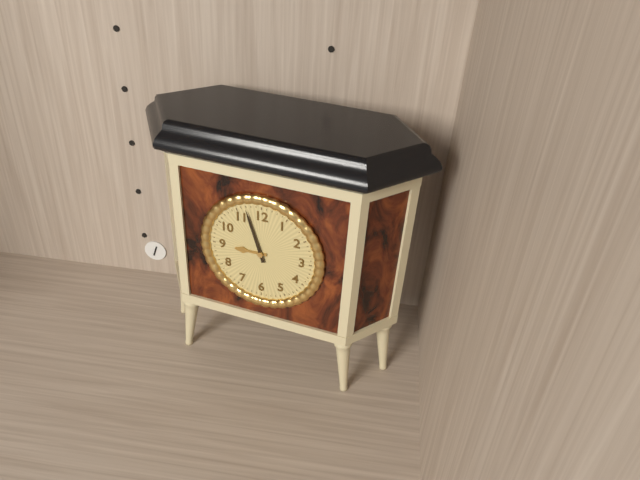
{"hour": 8, "minute": 57}
